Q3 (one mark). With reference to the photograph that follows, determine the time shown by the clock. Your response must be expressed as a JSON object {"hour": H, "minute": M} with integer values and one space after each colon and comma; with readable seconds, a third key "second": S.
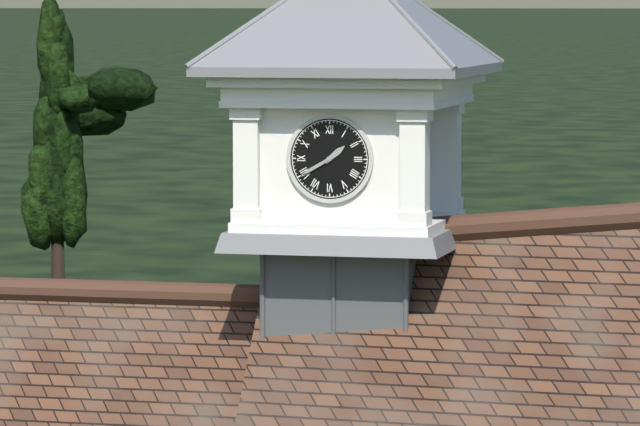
{"hour": 1, "minute": 40}
